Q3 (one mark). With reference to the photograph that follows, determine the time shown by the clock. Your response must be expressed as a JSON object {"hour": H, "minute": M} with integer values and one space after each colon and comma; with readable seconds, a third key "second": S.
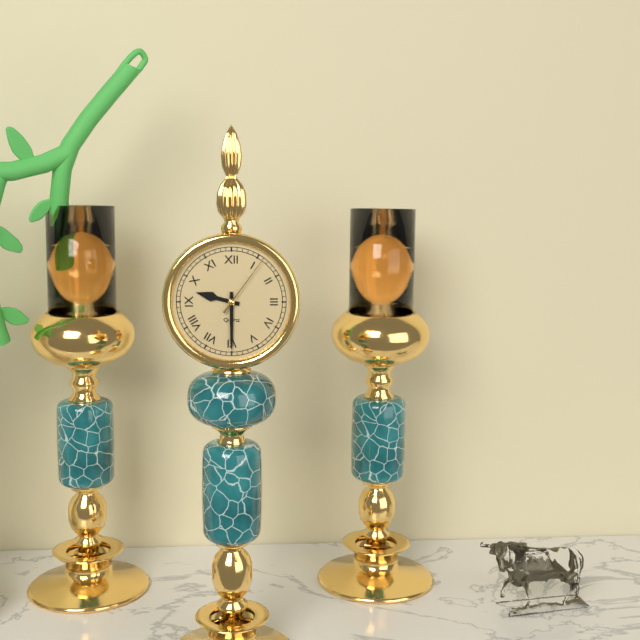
{"hour": 9, "minute": 30, "second": 6}
